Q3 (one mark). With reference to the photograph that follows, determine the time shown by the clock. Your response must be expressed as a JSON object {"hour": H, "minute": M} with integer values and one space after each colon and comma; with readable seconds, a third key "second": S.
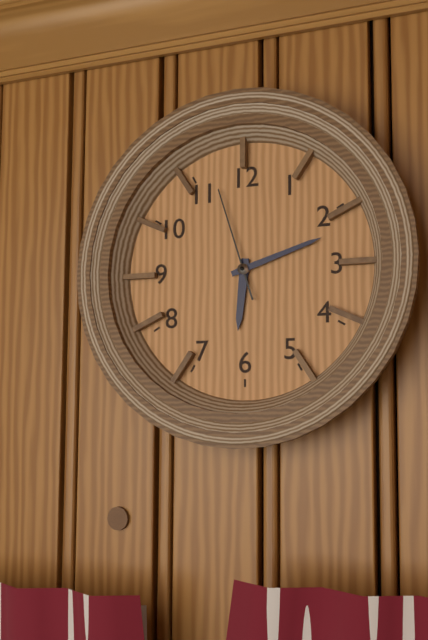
{"hour": 6, "minute": 12, "second": 57}
